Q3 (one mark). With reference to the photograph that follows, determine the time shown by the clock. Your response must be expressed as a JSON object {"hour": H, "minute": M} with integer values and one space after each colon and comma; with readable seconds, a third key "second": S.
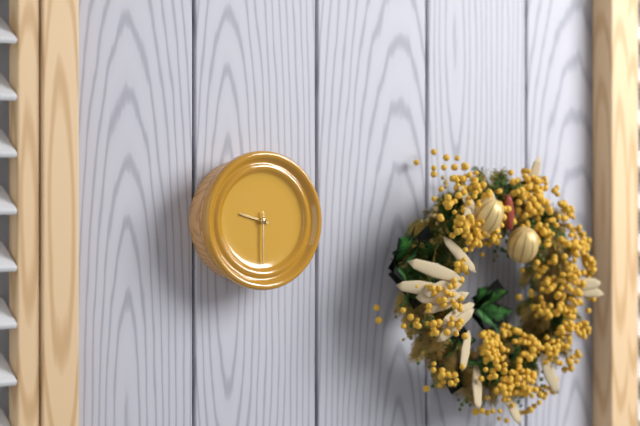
{"hour": 9, "minute": 30}
